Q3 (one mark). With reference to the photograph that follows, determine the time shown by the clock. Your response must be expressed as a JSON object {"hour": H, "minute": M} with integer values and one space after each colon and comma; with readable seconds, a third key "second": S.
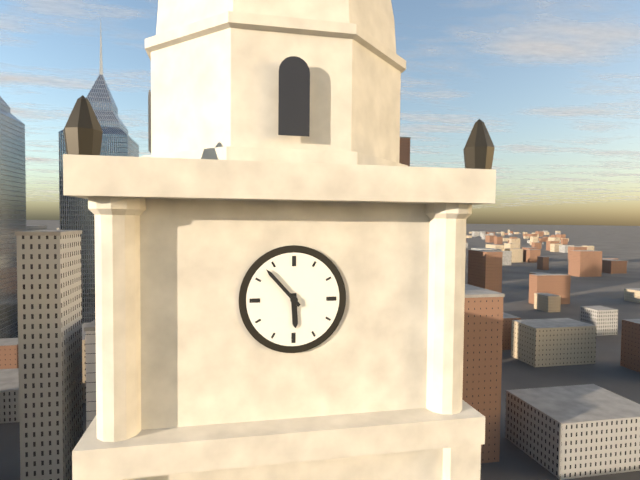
{"hour": 5, "minute": 53}
